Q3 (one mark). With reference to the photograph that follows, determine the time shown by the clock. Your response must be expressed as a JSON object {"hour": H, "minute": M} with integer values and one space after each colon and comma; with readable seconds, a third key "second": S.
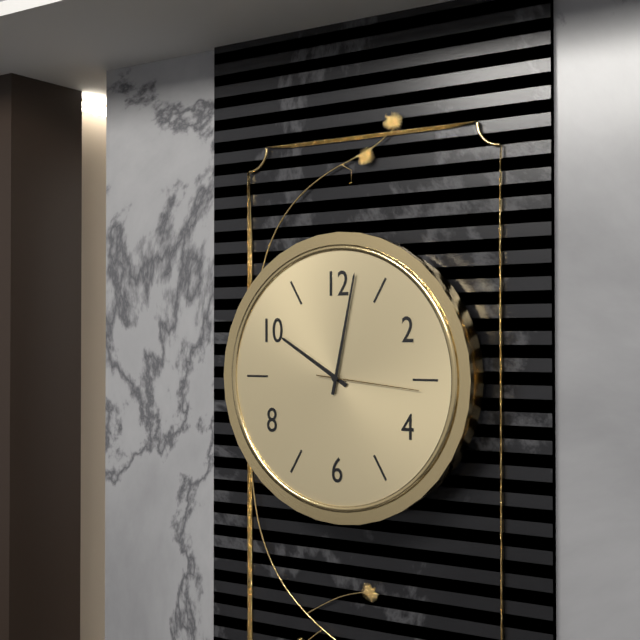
{"hour": 10, "minute": 2, "second": 16}
